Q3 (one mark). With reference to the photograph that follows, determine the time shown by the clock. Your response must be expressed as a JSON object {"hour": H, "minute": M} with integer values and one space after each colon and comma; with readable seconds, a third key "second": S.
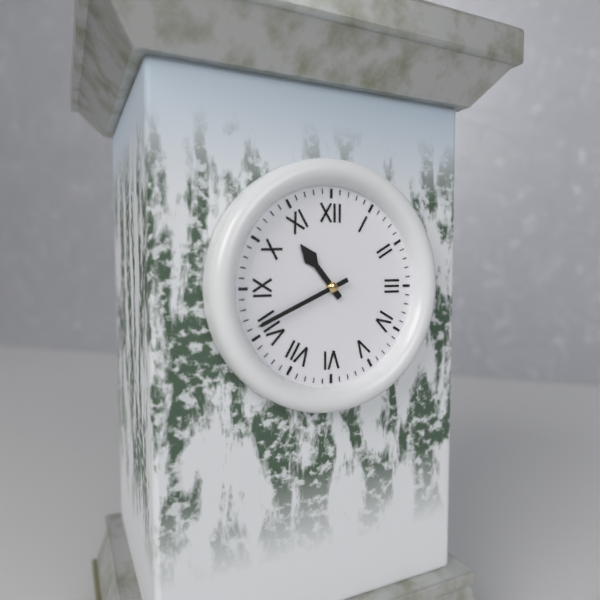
{"hour": 10, "minute": 41}
